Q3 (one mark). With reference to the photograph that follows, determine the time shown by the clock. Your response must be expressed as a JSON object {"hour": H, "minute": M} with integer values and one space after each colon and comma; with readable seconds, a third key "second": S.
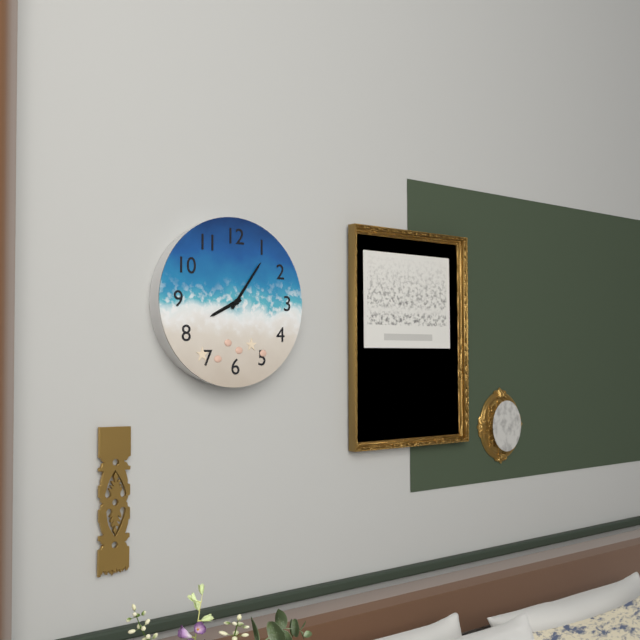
{"hour": 8, "minute": 6}
